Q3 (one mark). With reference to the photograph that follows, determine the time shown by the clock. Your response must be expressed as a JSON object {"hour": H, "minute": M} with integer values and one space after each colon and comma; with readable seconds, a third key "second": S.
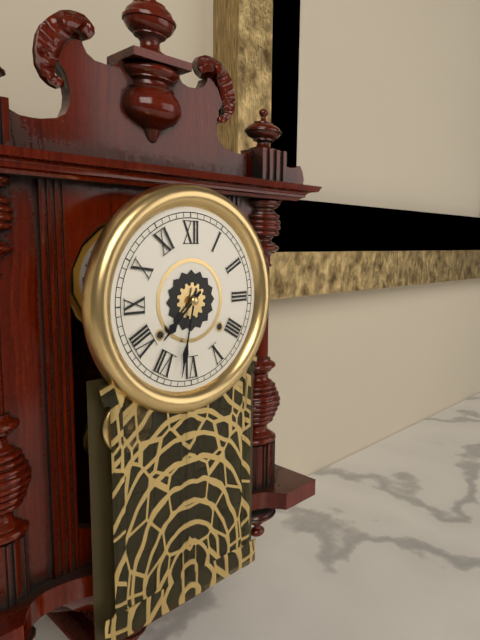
{"hour": 7, "minute": 32}
